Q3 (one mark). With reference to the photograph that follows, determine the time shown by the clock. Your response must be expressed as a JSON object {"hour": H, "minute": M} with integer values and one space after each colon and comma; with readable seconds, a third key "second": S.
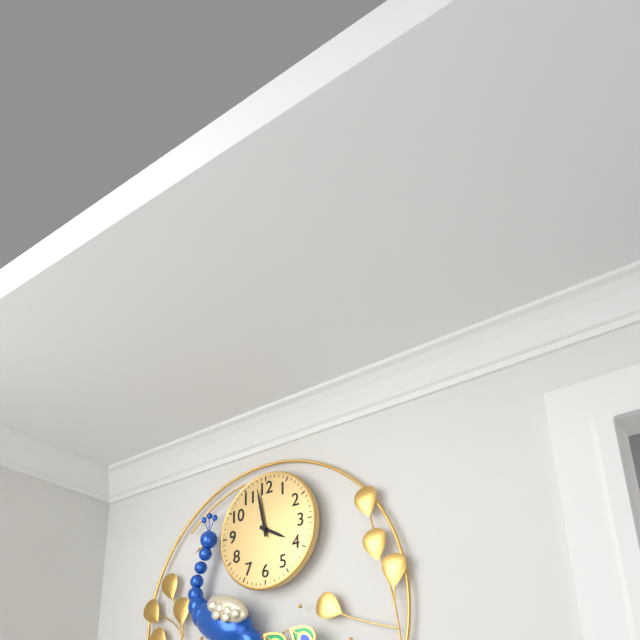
{"hour": 3, "minute": 58}
